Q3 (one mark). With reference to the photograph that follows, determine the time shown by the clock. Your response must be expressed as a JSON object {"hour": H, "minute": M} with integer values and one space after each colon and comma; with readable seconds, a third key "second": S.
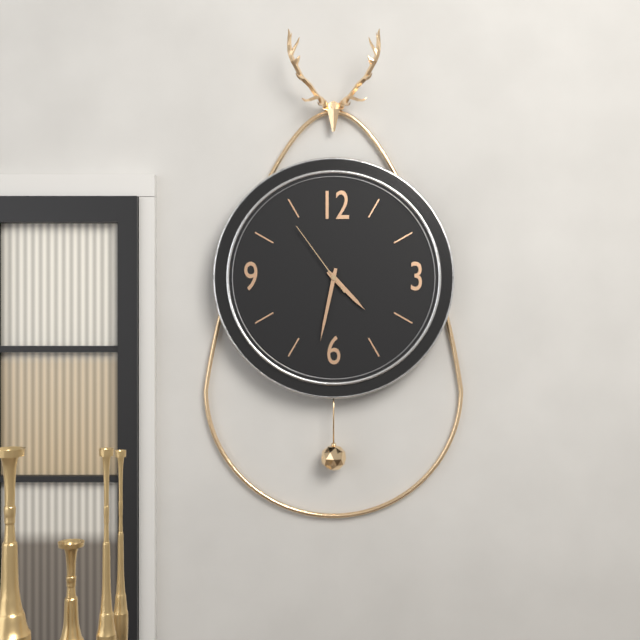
{"hour": 4, "minute": 32, "second": 54}
